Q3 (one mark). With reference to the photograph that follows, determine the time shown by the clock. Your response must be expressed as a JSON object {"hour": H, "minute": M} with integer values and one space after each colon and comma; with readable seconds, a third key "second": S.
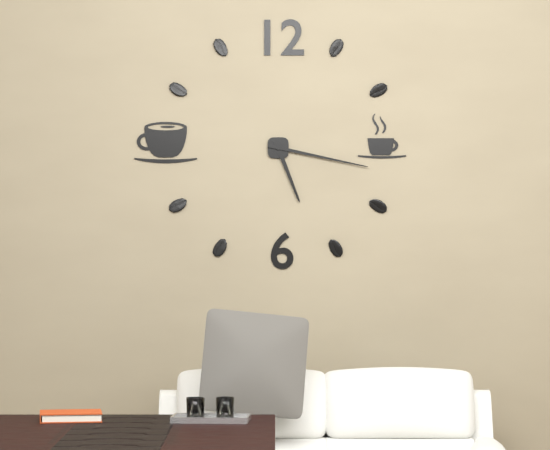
{"hour": 5, "minute": 17}
